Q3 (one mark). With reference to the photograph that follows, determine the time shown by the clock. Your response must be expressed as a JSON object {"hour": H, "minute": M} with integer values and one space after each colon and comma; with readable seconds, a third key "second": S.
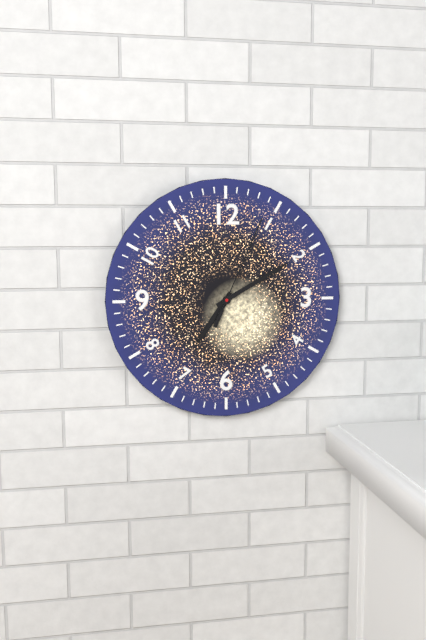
{"hour": 7, "minute": 10, "second": 4}
